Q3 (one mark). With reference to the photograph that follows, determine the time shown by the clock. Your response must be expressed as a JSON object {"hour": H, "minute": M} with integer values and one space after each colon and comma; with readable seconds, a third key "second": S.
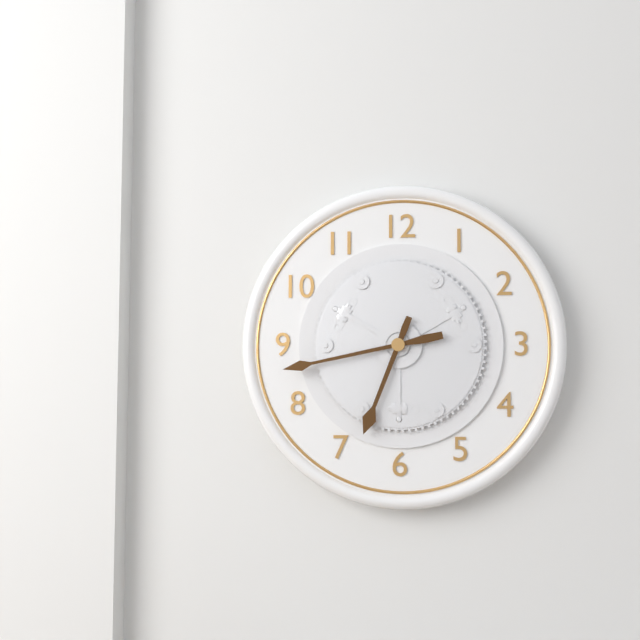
{"hour": 6, "minute": 43}
